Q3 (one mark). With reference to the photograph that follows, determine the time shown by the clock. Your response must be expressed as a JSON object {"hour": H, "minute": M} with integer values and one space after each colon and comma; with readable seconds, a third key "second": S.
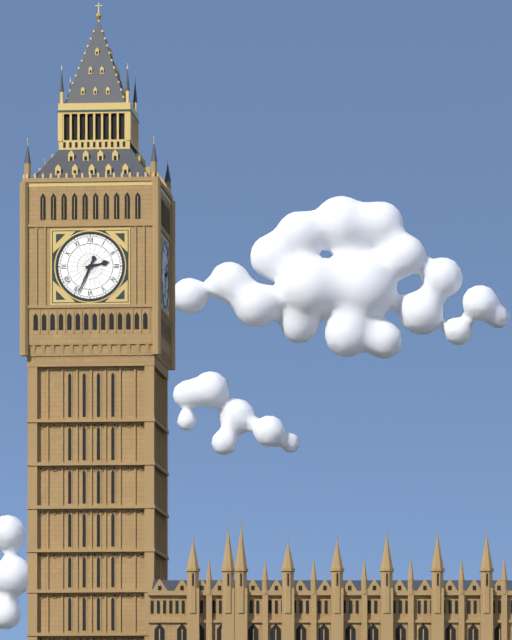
{"hour": 2, "minute": 34}
